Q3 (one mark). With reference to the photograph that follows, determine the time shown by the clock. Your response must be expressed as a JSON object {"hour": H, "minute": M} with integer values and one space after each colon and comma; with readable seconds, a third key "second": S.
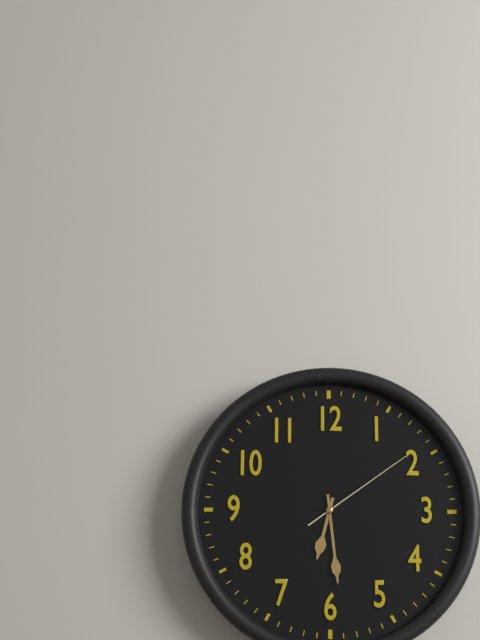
{"hour": 6, "minute": 29, "second": 9}
